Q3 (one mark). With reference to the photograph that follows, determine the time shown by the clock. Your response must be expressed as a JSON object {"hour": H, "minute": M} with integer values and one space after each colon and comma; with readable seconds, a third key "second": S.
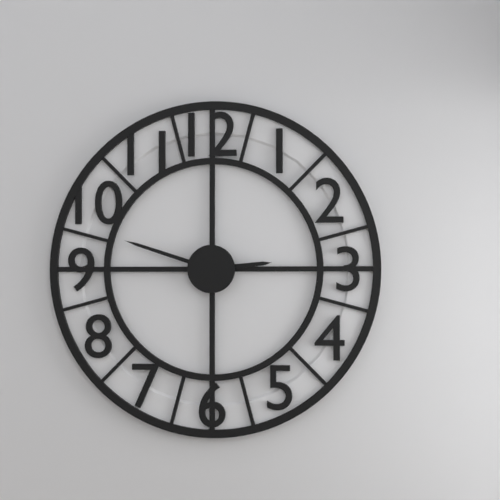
{"hour": 2, "minute": 48}
